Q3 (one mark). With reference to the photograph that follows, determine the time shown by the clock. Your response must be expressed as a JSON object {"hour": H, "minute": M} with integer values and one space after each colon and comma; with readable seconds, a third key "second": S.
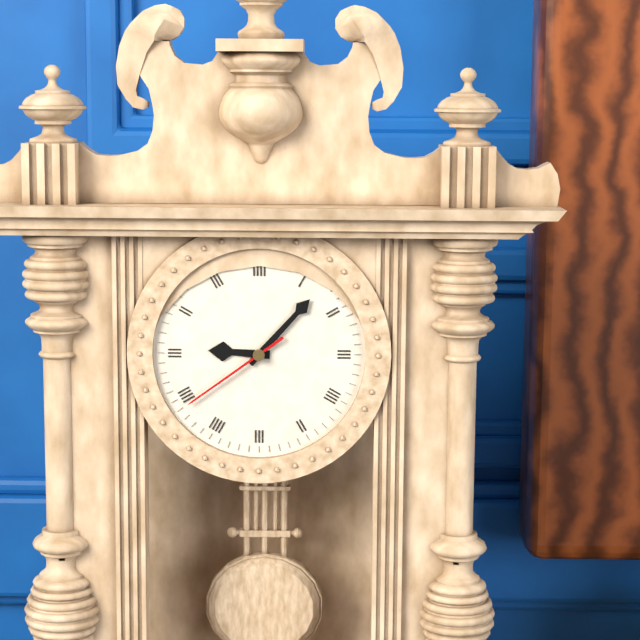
{"hour": 9, "minute": 7, "second": 39}
